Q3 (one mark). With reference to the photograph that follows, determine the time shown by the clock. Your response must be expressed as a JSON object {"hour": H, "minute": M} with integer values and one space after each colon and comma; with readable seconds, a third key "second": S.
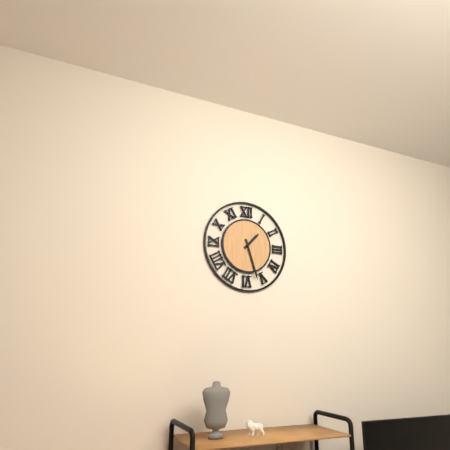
{"hour": 1, "minute": 27}
